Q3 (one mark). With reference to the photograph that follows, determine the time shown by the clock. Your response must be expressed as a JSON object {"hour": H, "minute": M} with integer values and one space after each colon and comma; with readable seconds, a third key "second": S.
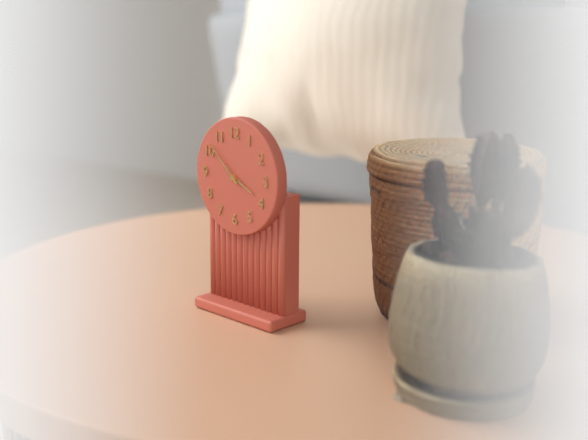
{"hour": 3, "minute": 52}
